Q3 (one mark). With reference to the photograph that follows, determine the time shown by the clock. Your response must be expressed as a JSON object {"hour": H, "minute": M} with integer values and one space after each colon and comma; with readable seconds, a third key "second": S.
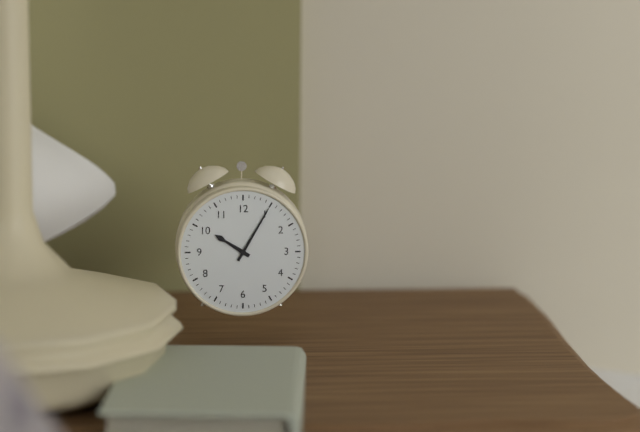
{"hour": 10, "minute": 5}
